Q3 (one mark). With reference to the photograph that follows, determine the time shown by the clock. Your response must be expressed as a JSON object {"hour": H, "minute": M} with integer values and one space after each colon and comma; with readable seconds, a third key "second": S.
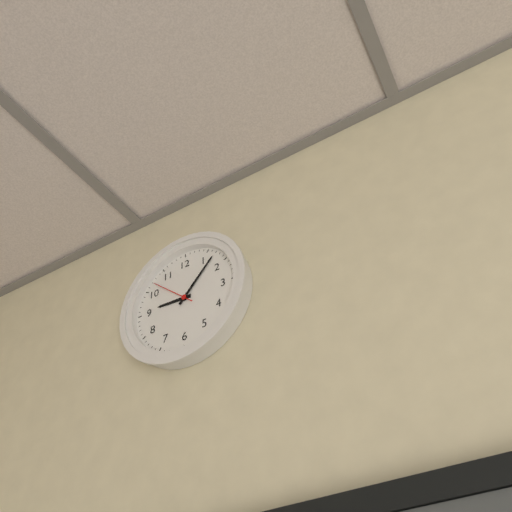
{"hour": 9, "minute": 7}
